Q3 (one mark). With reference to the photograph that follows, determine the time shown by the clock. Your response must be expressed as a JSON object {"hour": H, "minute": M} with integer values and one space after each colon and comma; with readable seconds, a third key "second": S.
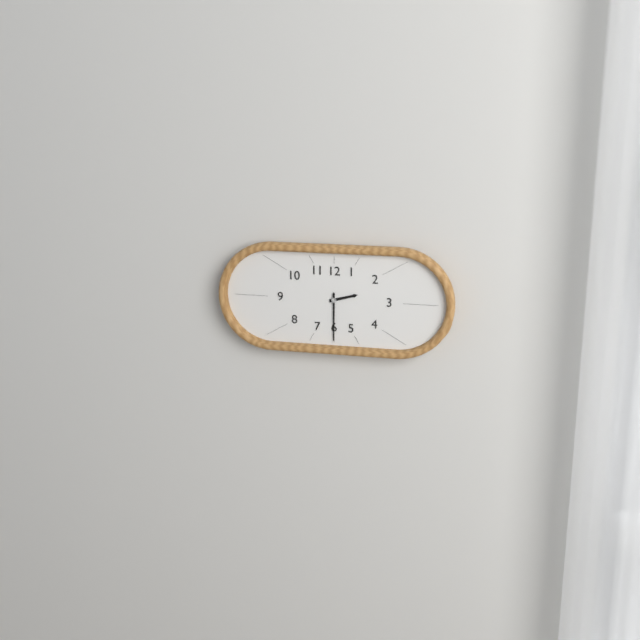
{"hour": 2, "minute": 30}
